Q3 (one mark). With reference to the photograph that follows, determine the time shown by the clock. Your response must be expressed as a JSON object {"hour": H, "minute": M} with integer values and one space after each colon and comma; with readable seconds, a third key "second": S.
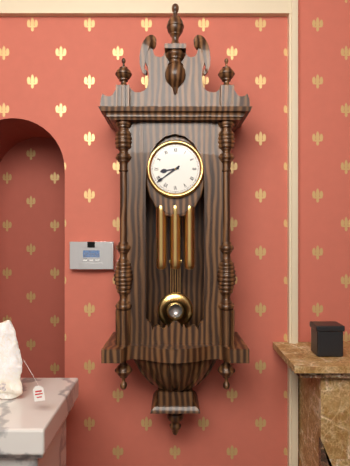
{"hour": 8, "minute": 39}
